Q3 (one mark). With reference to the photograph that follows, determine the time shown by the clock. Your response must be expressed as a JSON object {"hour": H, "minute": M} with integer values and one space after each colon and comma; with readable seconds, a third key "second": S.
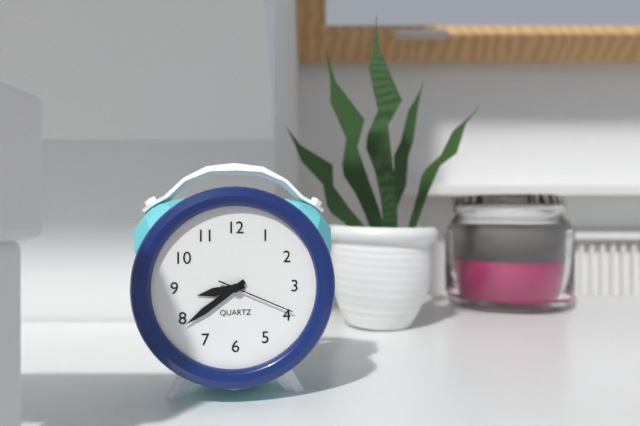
{"hour": 8, "minute": 39, "second": 19}
